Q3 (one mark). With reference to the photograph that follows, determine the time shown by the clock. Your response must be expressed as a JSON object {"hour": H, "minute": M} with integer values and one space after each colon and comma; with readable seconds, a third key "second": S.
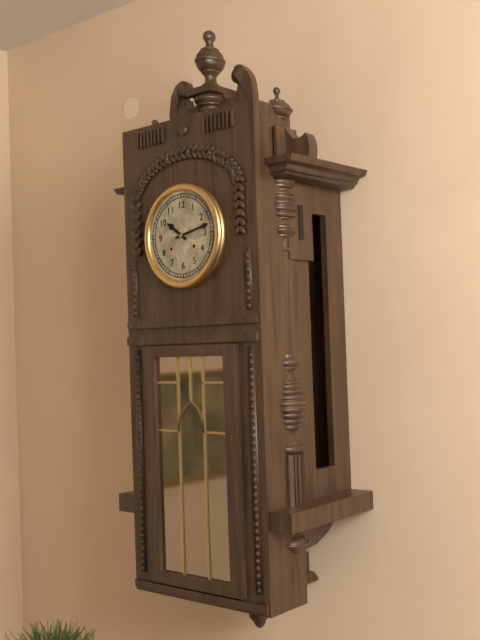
{"hour": 10, "minute": 13}
